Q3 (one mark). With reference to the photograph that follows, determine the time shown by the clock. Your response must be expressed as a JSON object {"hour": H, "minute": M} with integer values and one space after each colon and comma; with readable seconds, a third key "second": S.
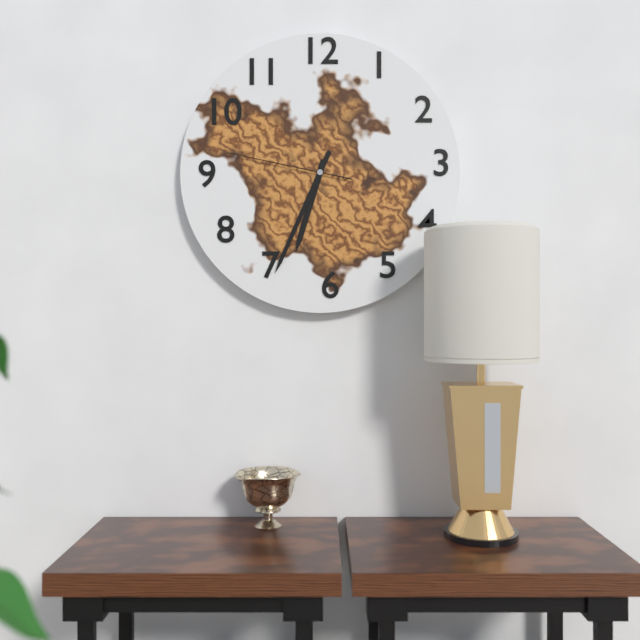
{"hour": 6, "minute": 34, "second": 47}
